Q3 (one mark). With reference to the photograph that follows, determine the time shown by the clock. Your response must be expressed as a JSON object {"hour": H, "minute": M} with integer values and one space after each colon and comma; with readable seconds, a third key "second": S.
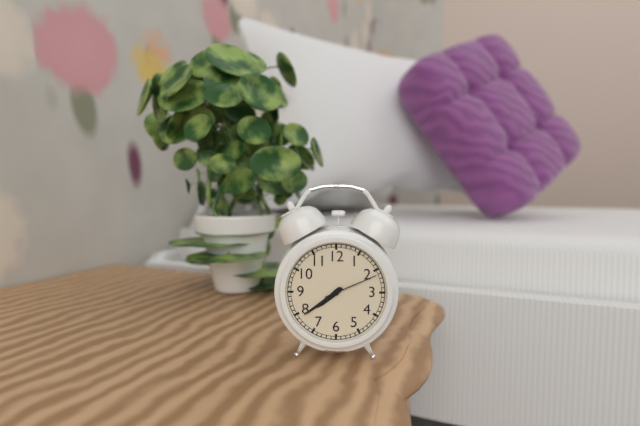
{"hour": 7, "minute": 39, "second": 11}
